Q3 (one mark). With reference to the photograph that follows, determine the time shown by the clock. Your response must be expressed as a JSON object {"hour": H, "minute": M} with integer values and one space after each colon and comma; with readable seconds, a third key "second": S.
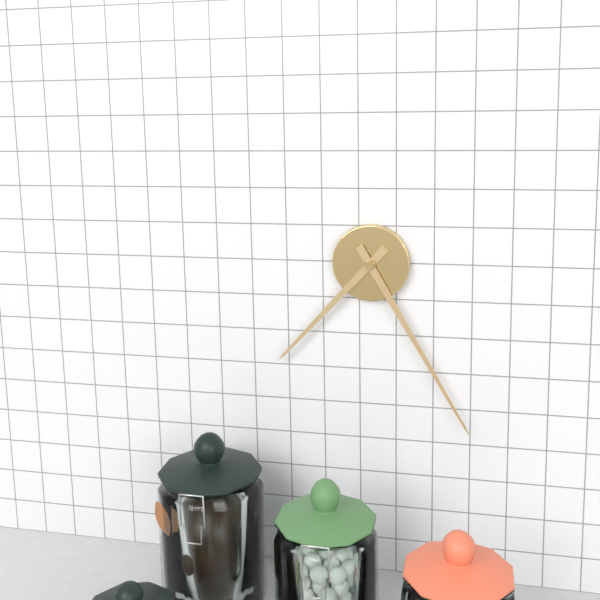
{"hour": 7, "minute": 25}
